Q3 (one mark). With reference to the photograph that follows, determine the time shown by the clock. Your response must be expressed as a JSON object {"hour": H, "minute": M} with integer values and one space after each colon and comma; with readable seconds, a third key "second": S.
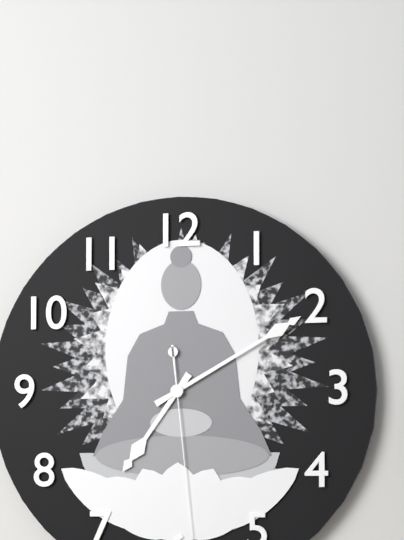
{"hour": 7, "minute": 10}
